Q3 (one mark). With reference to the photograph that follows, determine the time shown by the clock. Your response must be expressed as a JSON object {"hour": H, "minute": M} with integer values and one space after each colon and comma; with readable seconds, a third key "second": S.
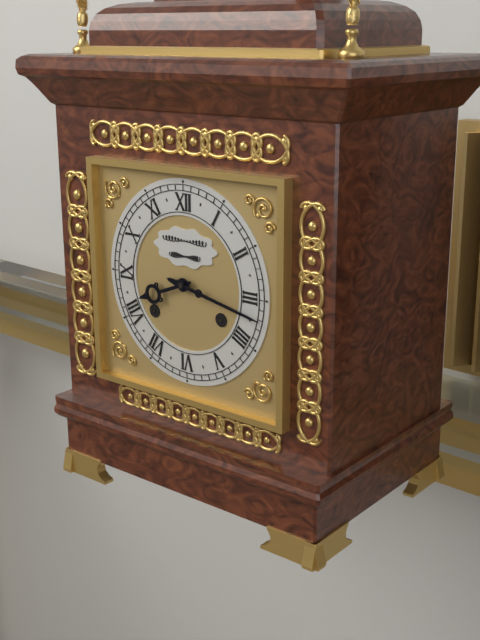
{"hour": 8, "minute": 17}
